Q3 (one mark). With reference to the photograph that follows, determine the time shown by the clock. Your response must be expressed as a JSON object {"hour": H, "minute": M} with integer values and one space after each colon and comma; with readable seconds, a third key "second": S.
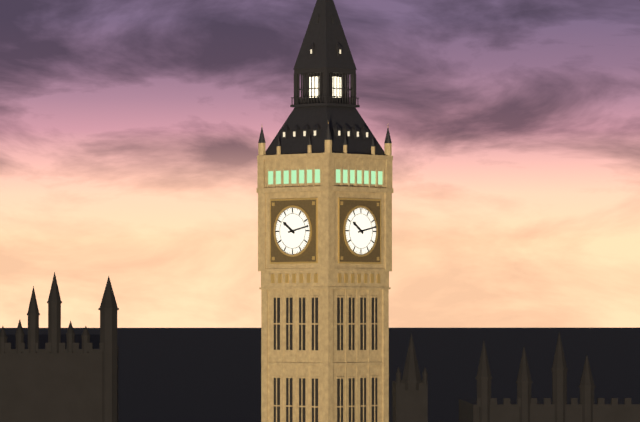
{"hour": 10, "minute": 13}
